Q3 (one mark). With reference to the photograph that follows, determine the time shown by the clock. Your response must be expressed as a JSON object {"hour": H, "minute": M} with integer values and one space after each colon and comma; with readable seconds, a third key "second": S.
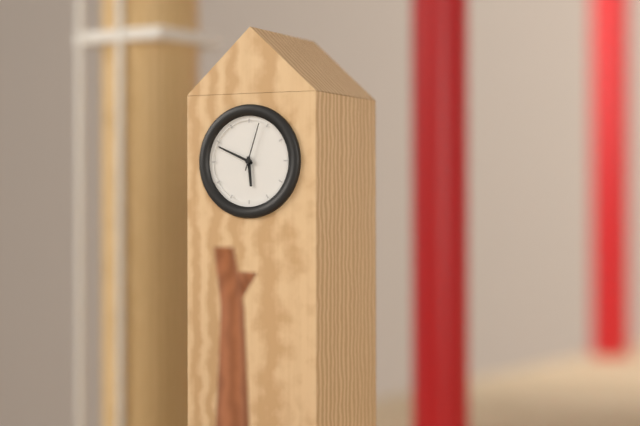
{"hour": 5, "minute": 49}
